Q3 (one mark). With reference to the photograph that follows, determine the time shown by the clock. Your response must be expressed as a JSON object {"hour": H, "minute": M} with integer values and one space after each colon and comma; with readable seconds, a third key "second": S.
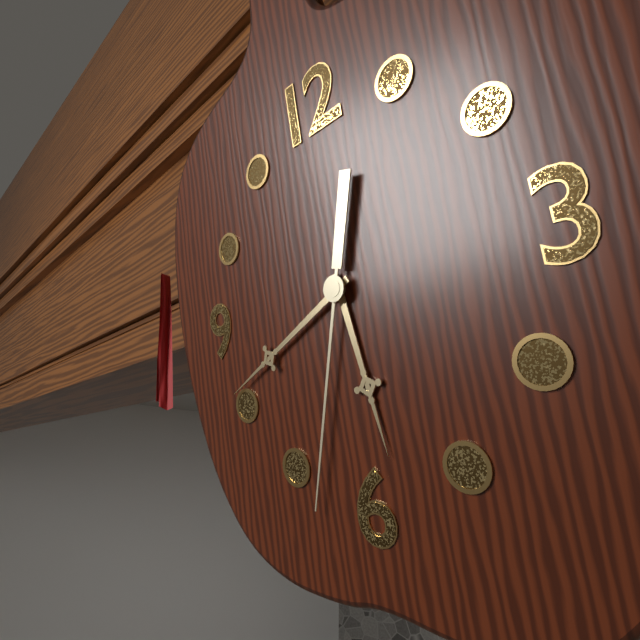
{"hour": 5, "minute": 41, "second": 33}
